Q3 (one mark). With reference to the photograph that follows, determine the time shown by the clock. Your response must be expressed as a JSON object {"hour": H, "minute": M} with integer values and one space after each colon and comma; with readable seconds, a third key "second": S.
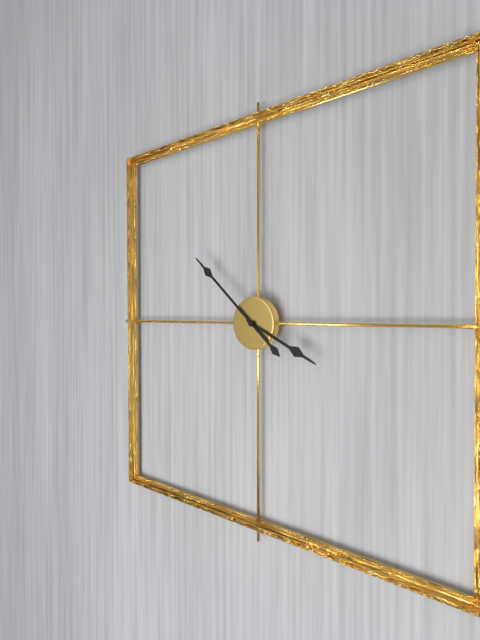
{"hour": 3, "minute": 52}
